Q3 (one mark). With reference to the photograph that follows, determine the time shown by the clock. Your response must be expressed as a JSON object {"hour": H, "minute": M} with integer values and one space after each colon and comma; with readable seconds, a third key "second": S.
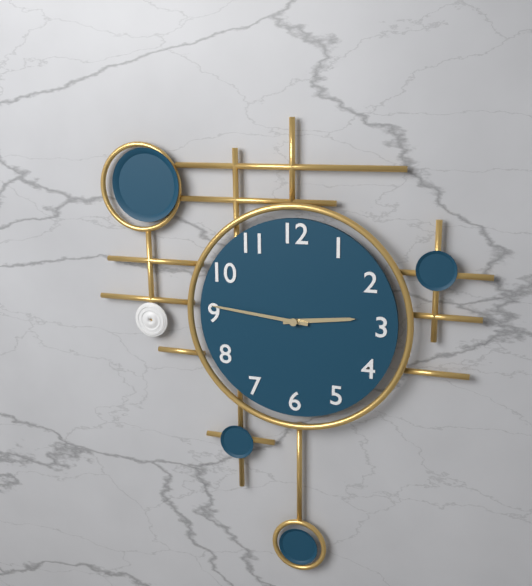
{"hour": 2, "minute": 46}
